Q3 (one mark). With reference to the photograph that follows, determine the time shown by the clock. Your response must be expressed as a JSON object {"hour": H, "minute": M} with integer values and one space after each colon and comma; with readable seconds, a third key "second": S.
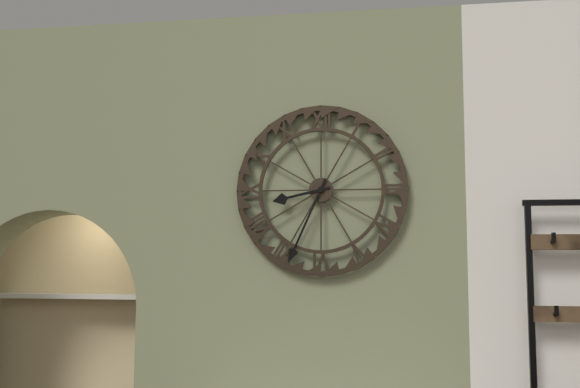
{"hour": 8, "minute": 34}
